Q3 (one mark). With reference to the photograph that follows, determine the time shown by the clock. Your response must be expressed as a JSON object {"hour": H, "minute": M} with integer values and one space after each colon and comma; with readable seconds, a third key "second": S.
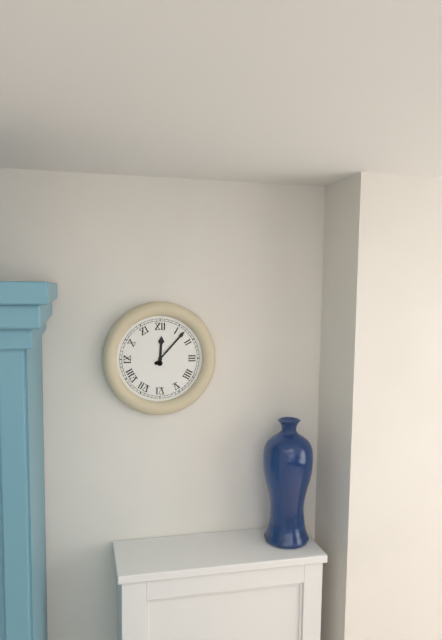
{"hour": 12, "minute": 7}
